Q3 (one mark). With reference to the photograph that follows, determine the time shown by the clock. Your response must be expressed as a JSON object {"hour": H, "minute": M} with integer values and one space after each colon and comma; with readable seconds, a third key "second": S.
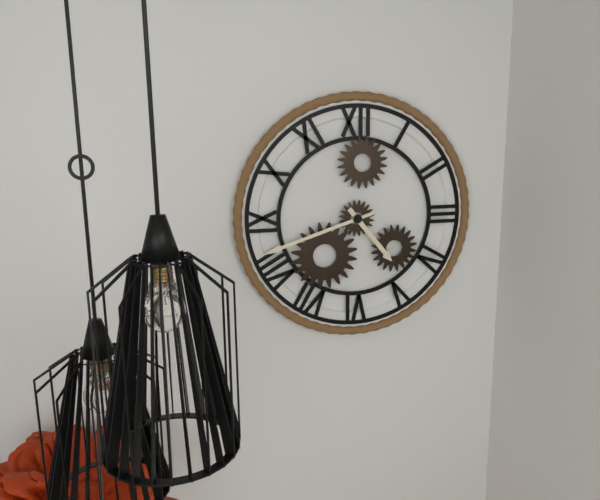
{"hour": 4, "minute": 42}
